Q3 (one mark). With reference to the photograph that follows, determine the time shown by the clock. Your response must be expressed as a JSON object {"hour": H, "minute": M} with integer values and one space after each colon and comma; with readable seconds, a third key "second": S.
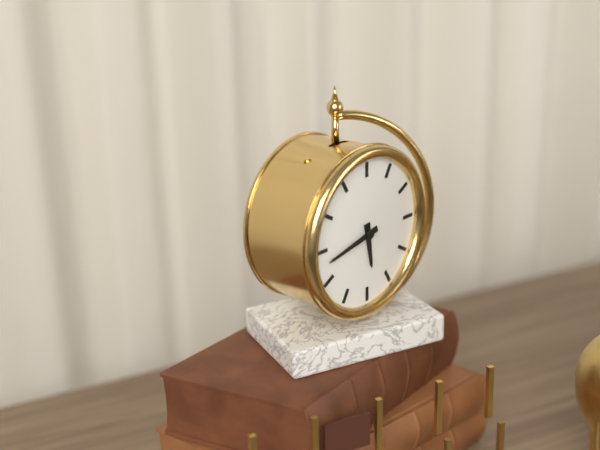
{"hour": 5, "minute": 43}
